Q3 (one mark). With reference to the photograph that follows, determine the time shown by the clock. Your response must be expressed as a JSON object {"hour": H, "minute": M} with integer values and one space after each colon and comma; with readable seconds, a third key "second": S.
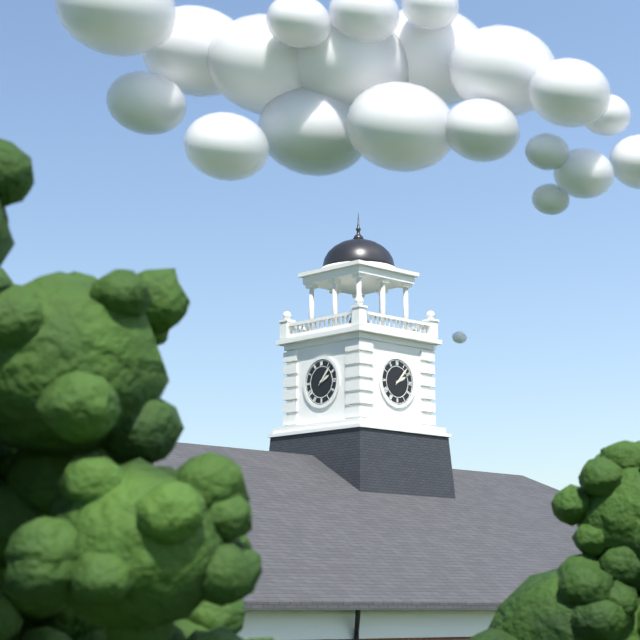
{"hour": 2, "minute": 7}
